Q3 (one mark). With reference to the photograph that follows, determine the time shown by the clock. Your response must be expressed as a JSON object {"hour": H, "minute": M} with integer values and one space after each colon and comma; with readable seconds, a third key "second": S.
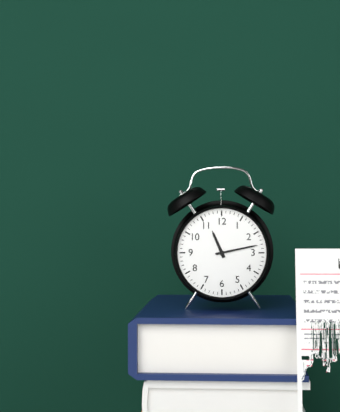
{"hour": 11, "minute": 13}
